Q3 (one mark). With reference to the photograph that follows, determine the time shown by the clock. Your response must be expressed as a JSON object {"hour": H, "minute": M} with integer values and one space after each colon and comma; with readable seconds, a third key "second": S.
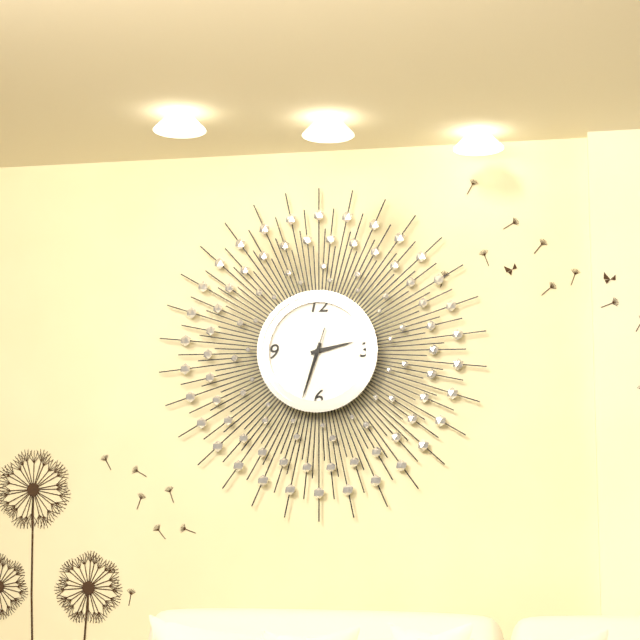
{"hour": 2, "minute": 33, "second": 33}
